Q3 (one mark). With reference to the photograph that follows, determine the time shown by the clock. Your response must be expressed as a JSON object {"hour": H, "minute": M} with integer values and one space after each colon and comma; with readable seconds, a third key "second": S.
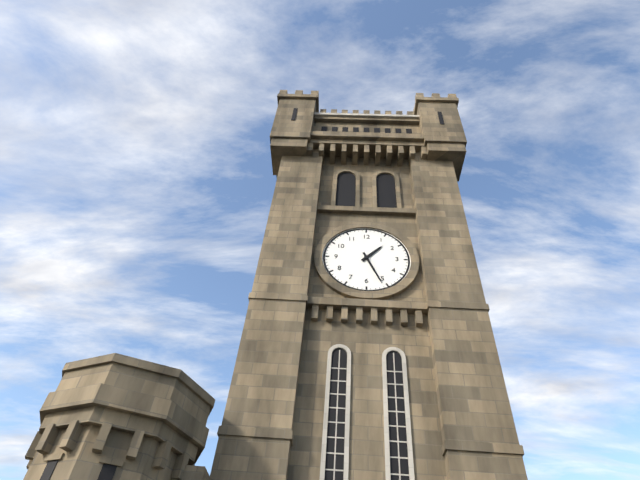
{"hour": 1, "minute": 26}
